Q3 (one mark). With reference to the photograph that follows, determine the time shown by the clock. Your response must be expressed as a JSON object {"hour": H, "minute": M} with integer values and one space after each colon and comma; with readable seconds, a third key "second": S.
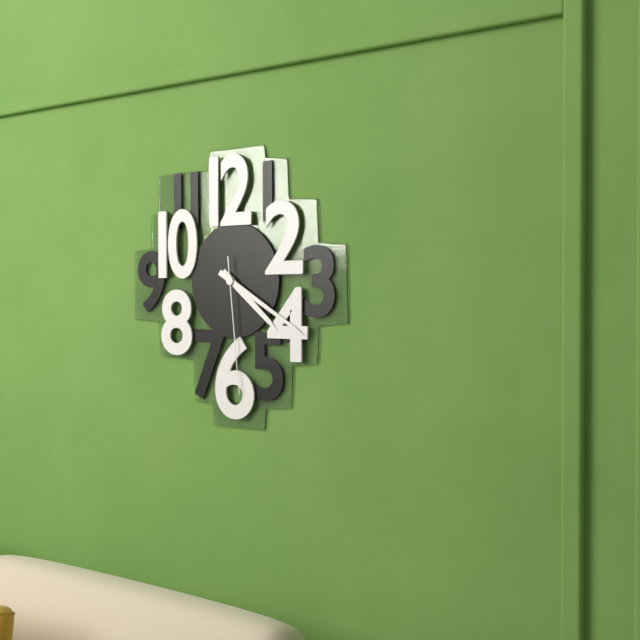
{"hour": 4, "minute": 20, "second": 29}
